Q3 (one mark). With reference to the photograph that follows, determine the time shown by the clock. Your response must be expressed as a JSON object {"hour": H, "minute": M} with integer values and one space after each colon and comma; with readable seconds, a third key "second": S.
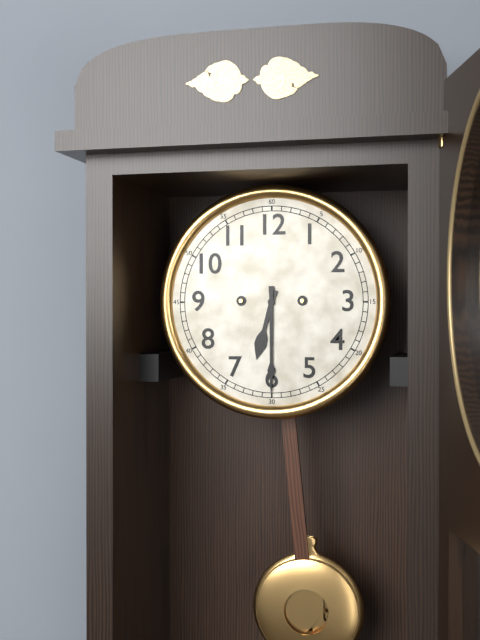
{"hour": 6, "minute": 30}
